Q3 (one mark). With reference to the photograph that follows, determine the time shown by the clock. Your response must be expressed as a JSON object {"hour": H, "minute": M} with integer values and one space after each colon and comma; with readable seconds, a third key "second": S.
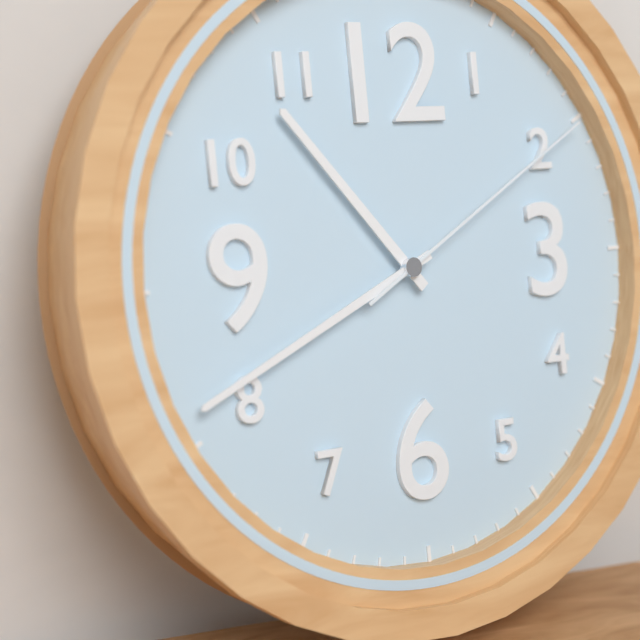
{"hour": 10, "minute": 41, "second": 10}
